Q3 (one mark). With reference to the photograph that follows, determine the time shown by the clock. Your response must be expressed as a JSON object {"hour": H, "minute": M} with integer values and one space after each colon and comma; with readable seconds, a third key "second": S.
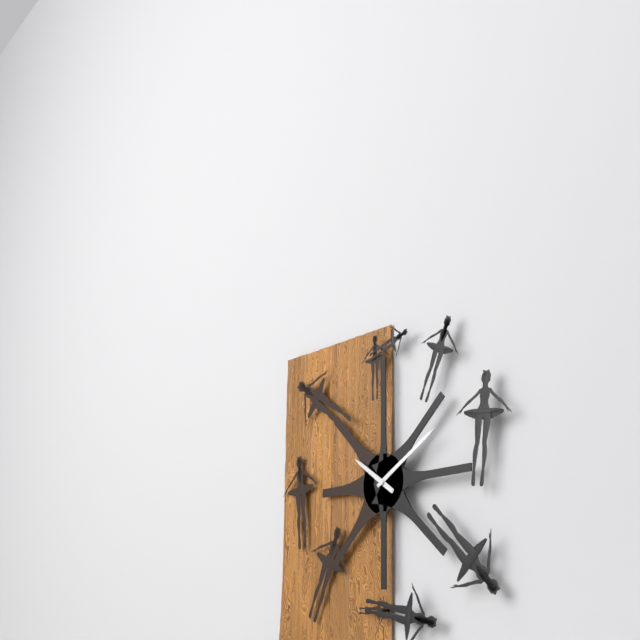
{"hour": 10, "minute": 10}
